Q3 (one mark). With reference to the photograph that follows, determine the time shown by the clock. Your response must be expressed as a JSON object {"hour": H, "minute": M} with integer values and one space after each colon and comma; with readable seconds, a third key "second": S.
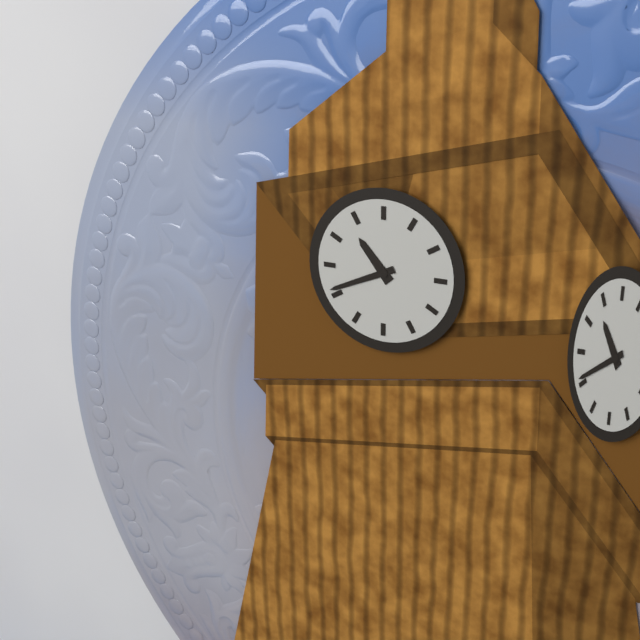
{"hour": 10, "minute": 41}
